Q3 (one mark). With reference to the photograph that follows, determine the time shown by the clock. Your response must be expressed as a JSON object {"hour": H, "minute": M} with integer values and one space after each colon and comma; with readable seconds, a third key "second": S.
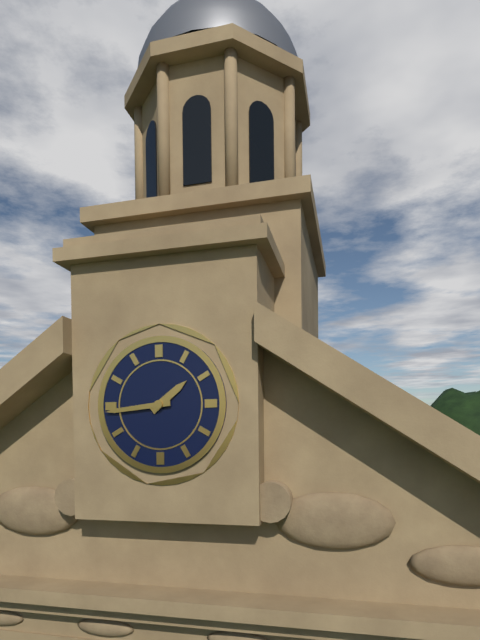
{"hour": 1, "minute": 44}
